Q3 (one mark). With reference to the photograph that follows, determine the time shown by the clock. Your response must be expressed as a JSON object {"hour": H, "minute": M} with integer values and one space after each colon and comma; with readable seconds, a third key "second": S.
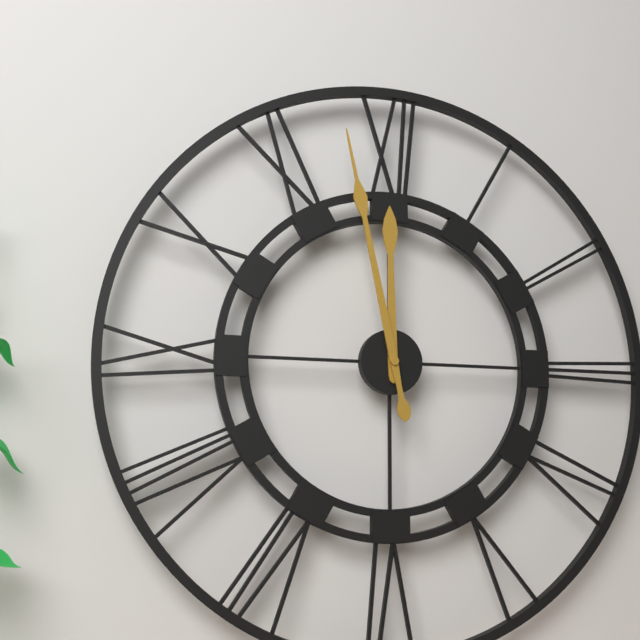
{"hour": 11, "minute": 58}
